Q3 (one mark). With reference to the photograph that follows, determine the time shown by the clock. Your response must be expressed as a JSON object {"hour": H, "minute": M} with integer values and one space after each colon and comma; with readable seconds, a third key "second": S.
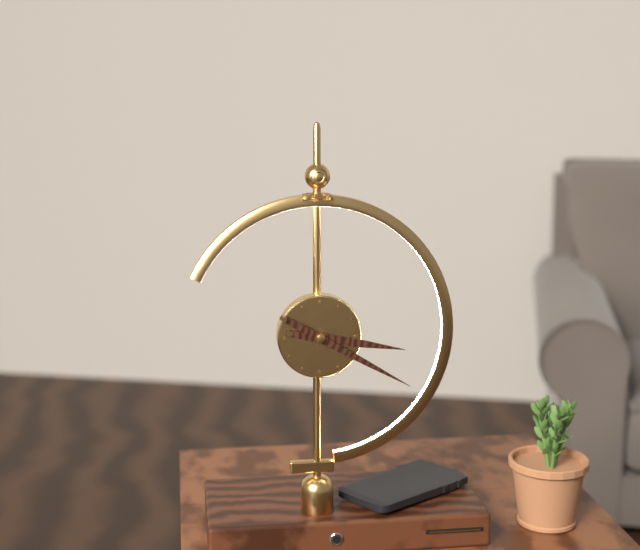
{"hour": 3, "minute": 20}
